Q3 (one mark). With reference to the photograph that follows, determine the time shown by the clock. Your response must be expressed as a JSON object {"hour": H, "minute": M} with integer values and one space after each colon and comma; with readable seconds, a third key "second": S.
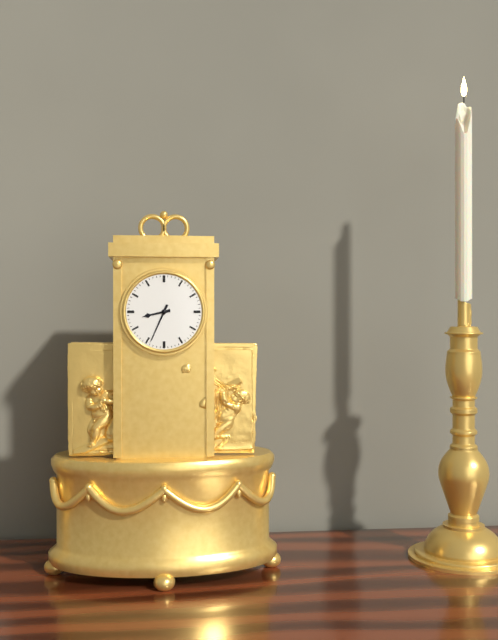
{"hour": 8, "minute": 34}
